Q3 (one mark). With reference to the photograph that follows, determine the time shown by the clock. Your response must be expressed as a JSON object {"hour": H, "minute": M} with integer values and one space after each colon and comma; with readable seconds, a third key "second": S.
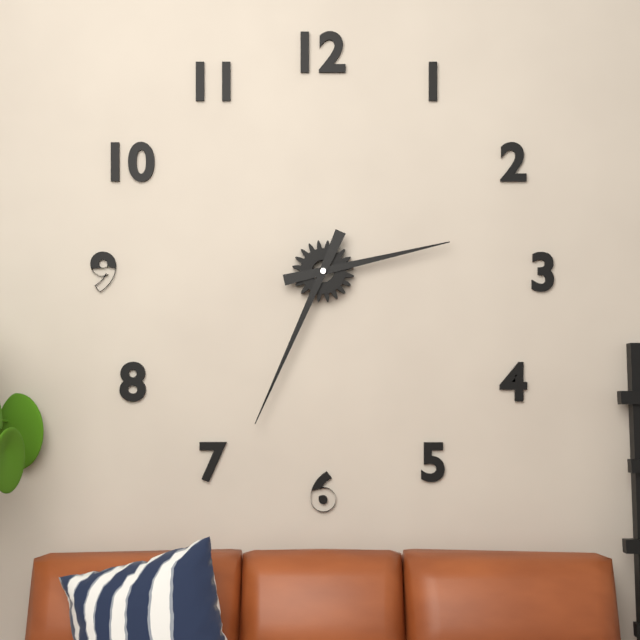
{"hour": 2, "minute": 34}
